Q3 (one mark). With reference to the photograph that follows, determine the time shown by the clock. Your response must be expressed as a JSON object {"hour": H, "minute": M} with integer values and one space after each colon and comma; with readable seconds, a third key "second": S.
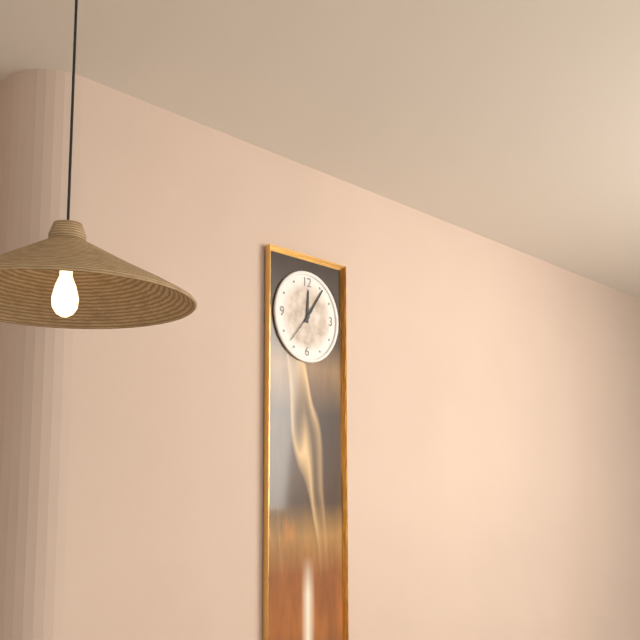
{"hour": 12, "minute": 6}
